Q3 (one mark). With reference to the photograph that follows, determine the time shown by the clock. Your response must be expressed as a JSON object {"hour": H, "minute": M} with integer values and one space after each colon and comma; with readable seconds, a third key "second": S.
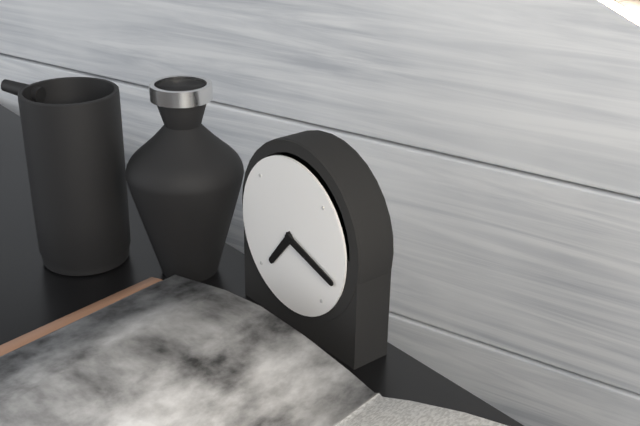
{"hour": 7, "minute": 18}
